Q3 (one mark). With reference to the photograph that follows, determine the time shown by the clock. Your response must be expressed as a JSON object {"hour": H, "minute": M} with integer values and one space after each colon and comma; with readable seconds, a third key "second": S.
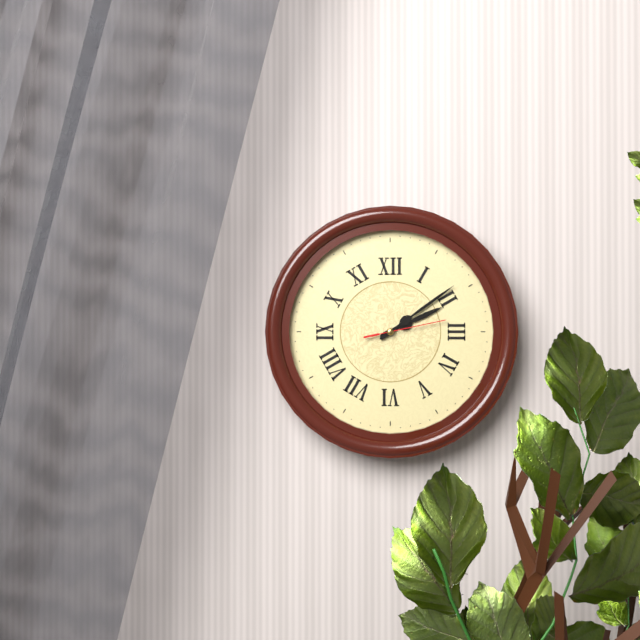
{"hour": 2, "minute": 9, "second": 13}
